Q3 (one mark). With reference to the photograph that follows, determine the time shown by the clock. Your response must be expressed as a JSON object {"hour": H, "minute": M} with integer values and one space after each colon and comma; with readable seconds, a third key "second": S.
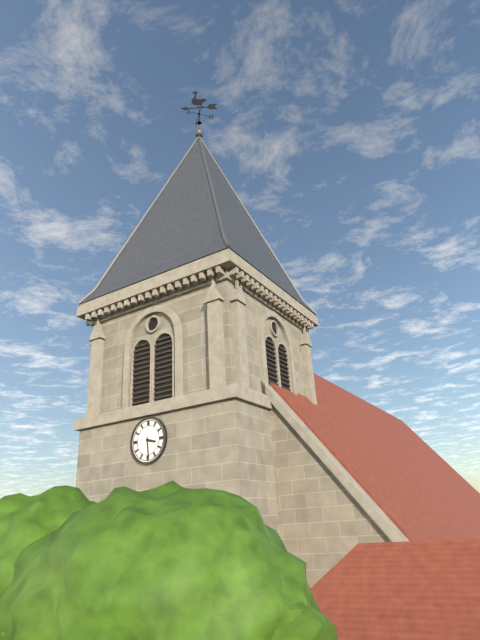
{"hour": 3, "minute": 29}
